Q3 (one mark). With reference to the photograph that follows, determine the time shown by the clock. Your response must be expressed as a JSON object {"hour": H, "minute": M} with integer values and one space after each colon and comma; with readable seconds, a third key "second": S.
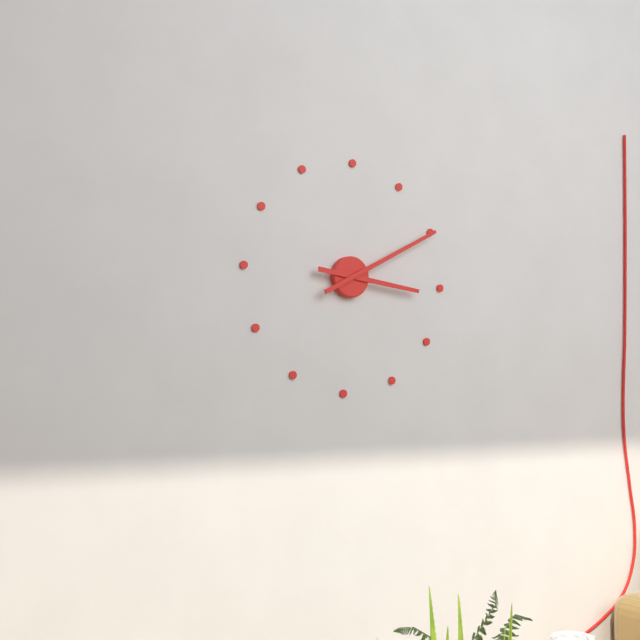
{"hour": 3, "minute": 10}
